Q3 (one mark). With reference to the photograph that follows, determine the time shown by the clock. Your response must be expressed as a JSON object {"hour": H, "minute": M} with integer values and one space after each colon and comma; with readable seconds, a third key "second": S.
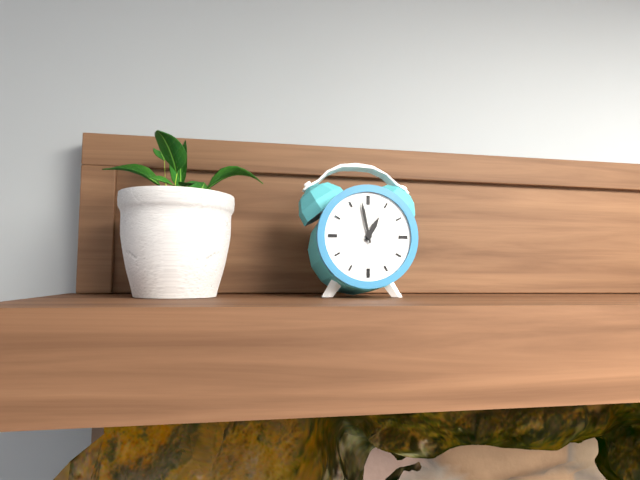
{"hour": 12, "minute": 58}
